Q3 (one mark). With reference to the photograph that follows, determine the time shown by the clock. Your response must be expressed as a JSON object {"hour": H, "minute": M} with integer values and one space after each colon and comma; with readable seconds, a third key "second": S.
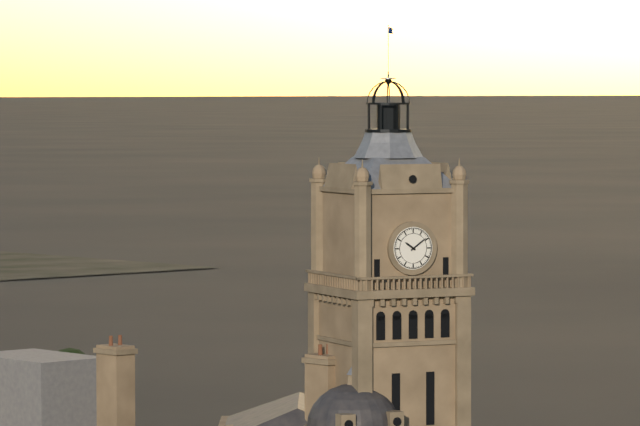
{"hour": 10, "minute": 9}
